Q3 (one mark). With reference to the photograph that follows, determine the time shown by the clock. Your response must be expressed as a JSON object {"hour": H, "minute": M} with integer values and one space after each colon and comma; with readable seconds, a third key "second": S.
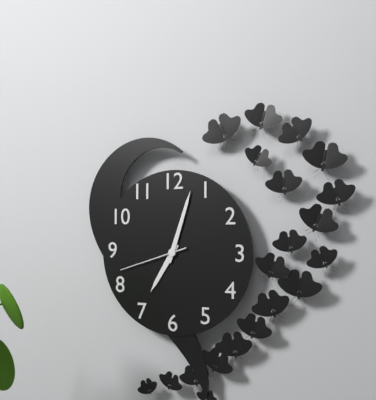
{"hour": 7, "minute": 3, "second": 42}
